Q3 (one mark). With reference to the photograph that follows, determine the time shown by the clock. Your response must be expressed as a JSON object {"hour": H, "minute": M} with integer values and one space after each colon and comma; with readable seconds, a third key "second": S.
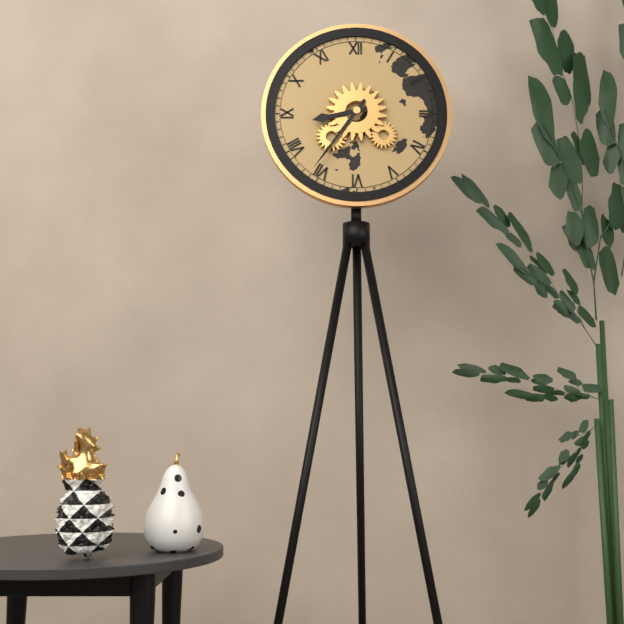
{"hour": 8, "minute": 36}
